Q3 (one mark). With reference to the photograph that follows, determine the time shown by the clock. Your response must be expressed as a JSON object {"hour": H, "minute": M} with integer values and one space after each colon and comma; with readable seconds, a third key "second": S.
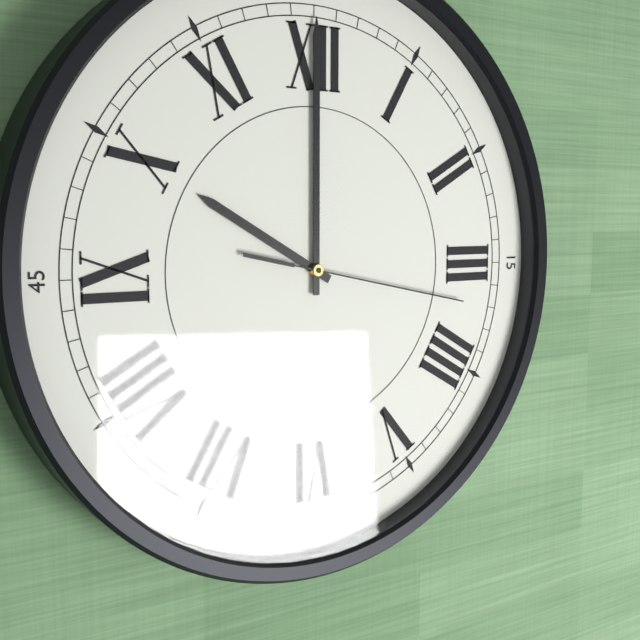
{"hour": 10, "minute": 0, "second": 17}
